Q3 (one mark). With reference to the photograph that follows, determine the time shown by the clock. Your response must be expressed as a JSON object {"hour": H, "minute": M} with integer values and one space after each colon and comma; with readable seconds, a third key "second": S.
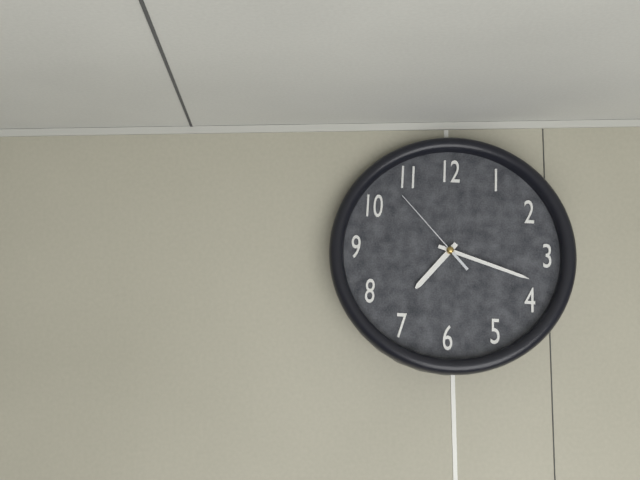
{"hour": 7, "minute": 18, "second": 53}
